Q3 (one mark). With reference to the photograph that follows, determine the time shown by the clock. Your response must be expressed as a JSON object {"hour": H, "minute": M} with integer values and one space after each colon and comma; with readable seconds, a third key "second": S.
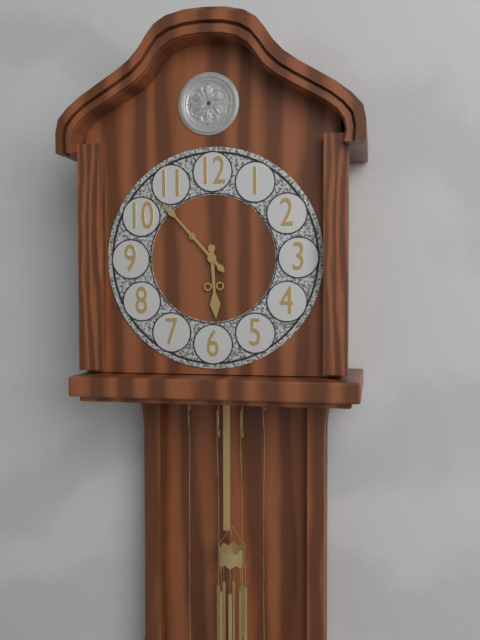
{"hour": 5, "minute": 53}
